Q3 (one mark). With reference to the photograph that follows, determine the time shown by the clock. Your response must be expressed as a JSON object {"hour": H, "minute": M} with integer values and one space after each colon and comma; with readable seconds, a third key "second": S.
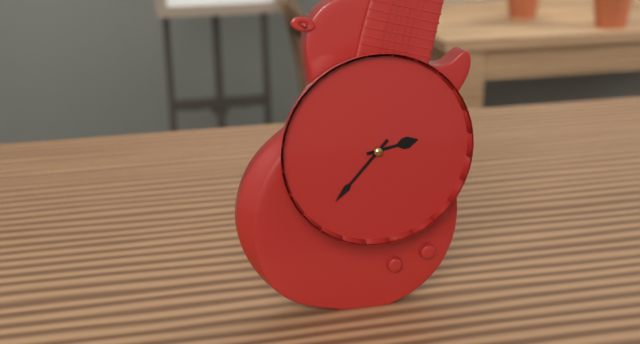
{"hour": 2, "minute": 37}
